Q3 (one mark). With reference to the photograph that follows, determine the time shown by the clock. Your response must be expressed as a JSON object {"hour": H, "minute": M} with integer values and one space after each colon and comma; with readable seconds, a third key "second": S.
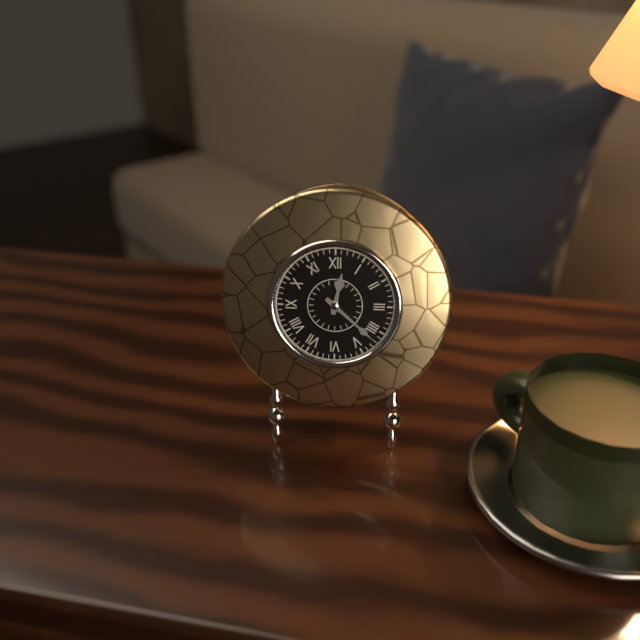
{"hour": 12, "minute": 22}
